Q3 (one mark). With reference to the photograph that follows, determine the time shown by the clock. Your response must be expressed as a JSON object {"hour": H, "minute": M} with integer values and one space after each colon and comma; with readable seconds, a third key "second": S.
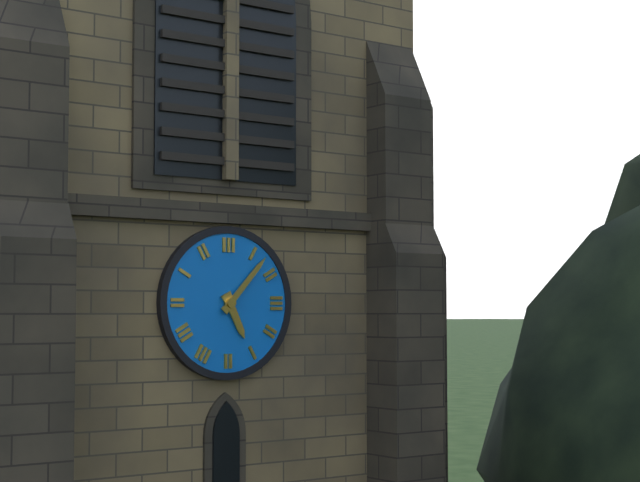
{"hour": 5, "minute": 7}
